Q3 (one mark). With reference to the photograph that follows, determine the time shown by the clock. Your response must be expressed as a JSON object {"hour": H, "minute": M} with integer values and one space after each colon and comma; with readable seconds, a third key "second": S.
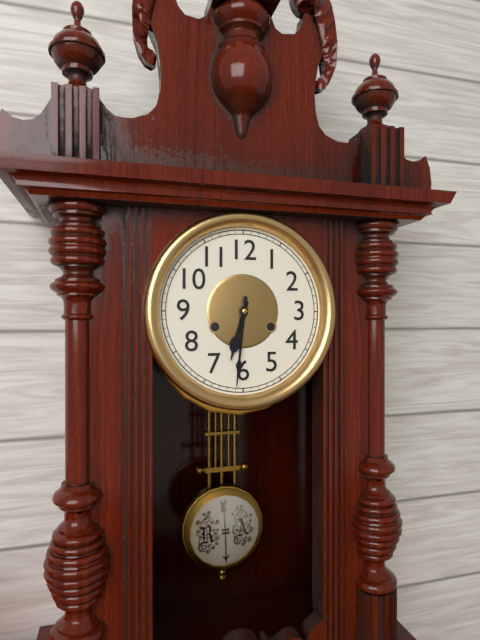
{"hour": 6, "minute": 31}
